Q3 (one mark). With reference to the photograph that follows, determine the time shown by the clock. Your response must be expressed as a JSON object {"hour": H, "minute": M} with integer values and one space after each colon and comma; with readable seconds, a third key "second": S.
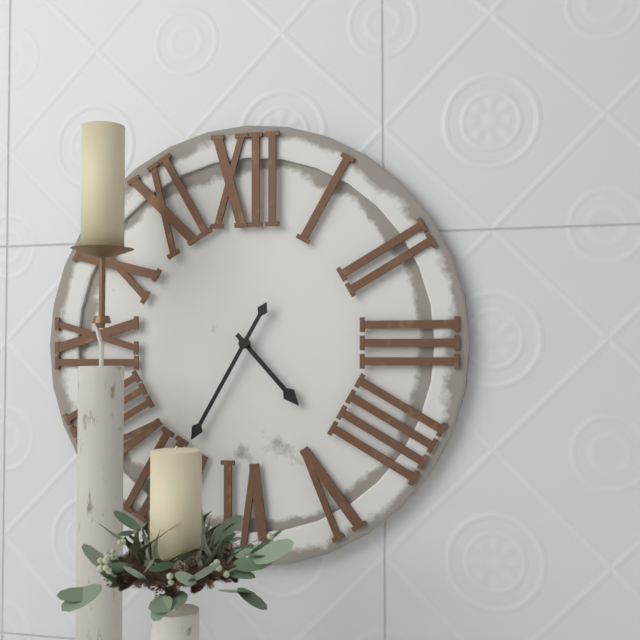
{"hour": 4, "minute": 35}
